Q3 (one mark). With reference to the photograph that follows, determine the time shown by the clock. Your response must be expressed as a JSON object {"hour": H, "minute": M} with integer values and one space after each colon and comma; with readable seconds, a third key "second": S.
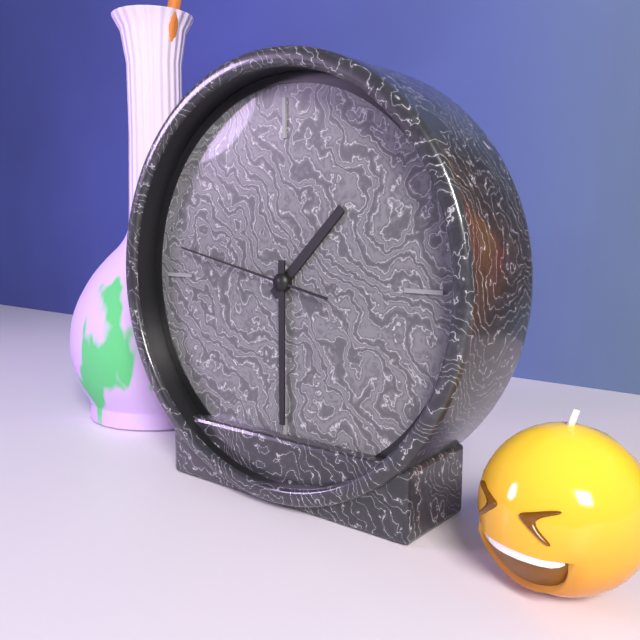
{"hour": 1, "minute": 30, "second": 47}
